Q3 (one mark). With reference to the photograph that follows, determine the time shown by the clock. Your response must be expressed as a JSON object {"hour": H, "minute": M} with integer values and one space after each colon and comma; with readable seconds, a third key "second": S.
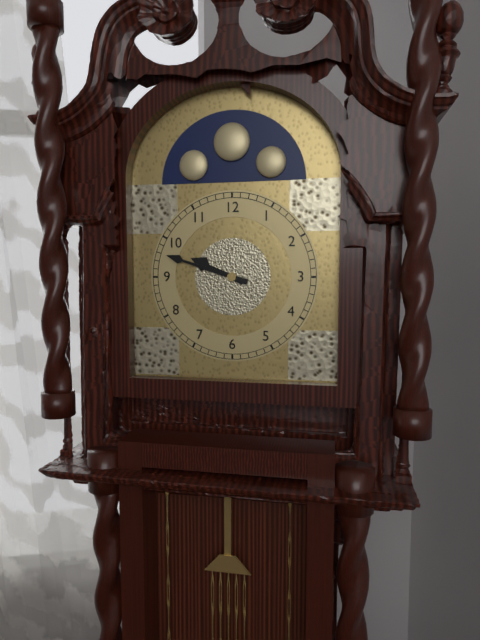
{"hour": 9, "minute": 48}
